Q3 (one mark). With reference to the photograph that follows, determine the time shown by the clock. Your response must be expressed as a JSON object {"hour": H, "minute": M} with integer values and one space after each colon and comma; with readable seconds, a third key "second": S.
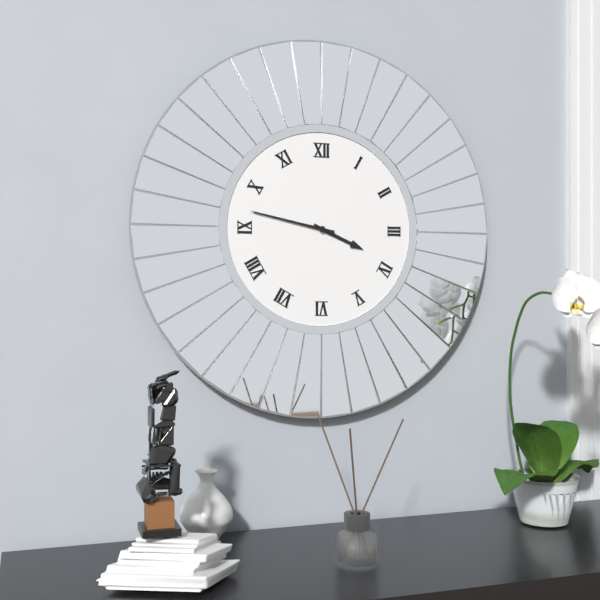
{"hour": 3, "minute": 47}
